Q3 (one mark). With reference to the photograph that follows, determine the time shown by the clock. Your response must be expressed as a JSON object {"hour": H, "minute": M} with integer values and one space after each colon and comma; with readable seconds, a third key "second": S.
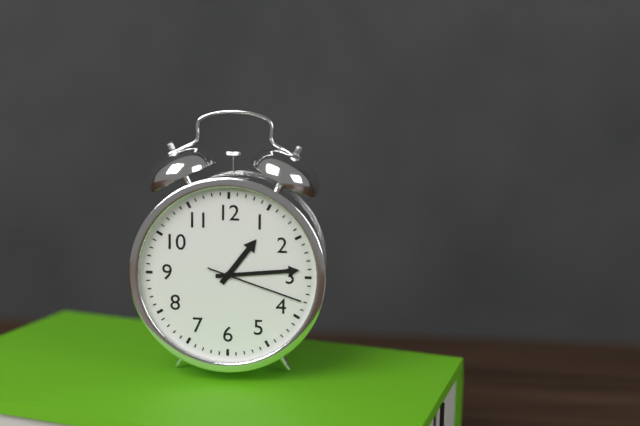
{"hour": 1, "minute": 14, "second": 18}
